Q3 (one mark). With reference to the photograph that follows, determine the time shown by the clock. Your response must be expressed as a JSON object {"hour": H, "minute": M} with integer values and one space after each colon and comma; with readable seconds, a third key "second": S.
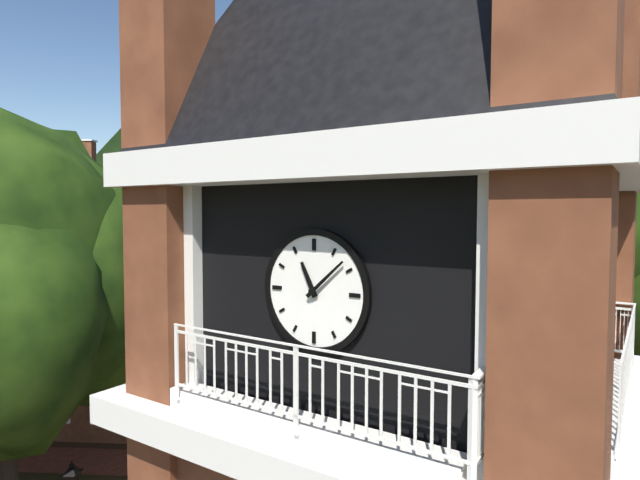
{"hour": 11, "minute": 8}
